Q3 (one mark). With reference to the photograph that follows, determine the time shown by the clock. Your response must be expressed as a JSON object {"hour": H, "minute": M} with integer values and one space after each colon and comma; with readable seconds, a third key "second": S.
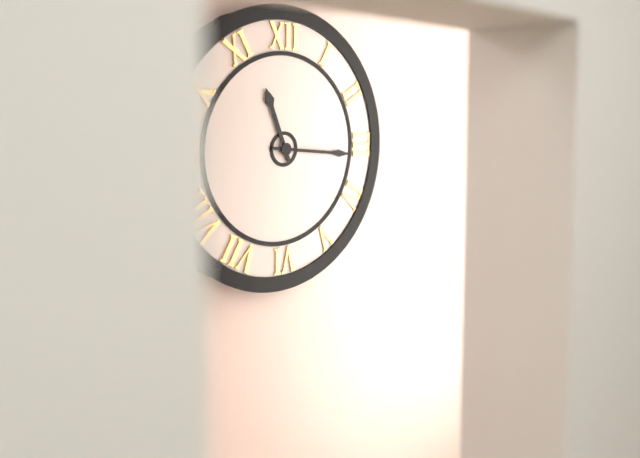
{"hour": 11, "minute": 16}
